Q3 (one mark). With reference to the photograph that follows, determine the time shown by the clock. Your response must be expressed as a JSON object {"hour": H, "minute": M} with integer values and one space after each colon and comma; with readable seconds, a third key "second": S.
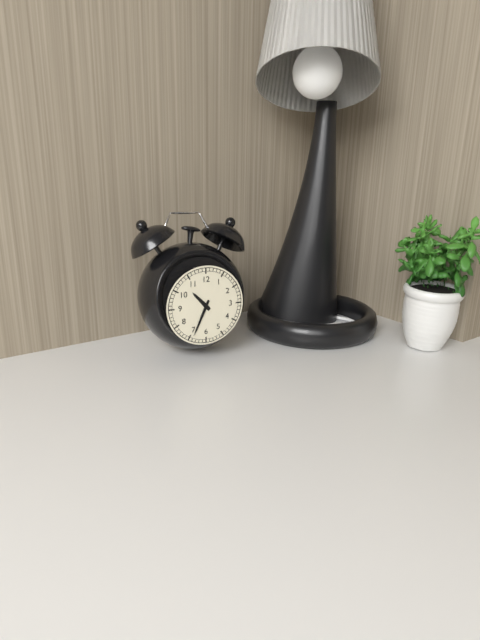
{"hour": 10, "minute": 34}
